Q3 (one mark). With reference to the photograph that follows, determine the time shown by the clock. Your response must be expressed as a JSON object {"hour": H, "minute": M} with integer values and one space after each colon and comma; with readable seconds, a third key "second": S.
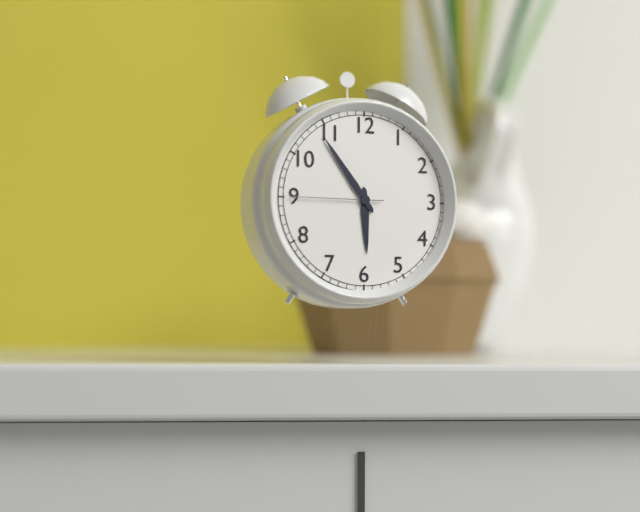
{"hour": 5, "minute": 54, "second": 45}
